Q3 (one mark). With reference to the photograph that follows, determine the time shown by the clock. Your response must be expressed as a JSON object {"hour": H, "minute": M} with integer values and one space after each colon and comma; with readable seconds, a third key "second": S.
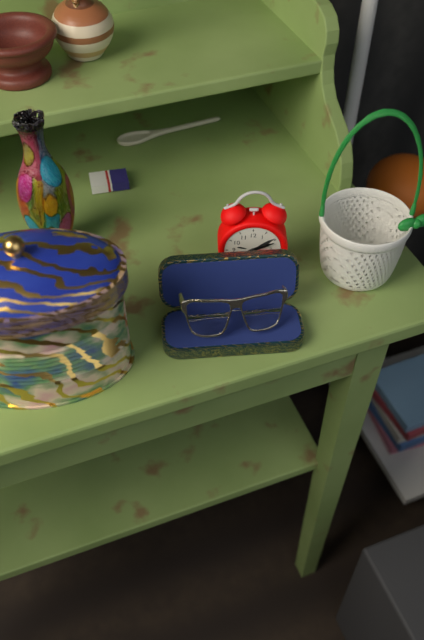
{"hour": 2, "minute": 11}
